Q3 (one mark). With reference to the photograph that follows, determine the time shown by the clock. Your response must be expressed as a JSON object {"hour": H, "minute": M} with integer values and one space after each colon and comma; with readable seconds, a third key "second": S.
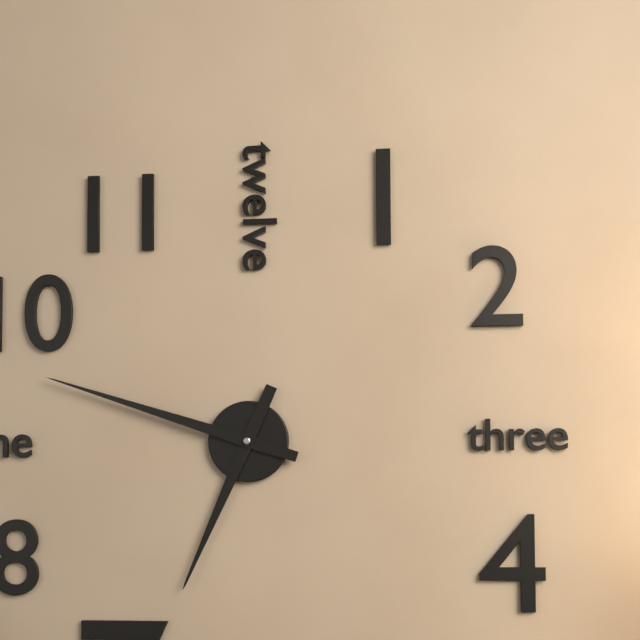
{"hour": 6, "minute": 48}
